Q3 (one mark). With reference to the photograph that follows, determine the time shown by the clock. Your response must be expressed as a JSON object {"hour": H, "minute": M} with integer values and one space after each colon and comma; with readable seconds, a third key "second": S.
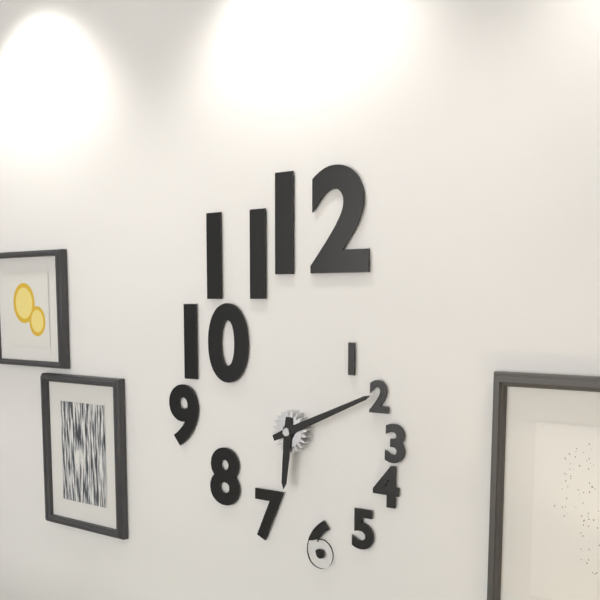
{"hour": 6, "minute": 11}
